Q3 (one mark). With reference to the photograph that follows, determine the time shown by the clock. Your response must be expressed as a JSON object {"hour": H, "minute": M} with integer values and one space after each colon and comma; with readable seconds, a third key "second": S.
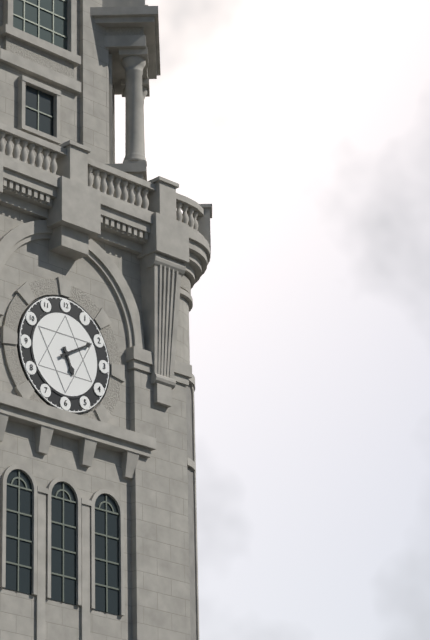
{"hour": 5, "minute": 10}
